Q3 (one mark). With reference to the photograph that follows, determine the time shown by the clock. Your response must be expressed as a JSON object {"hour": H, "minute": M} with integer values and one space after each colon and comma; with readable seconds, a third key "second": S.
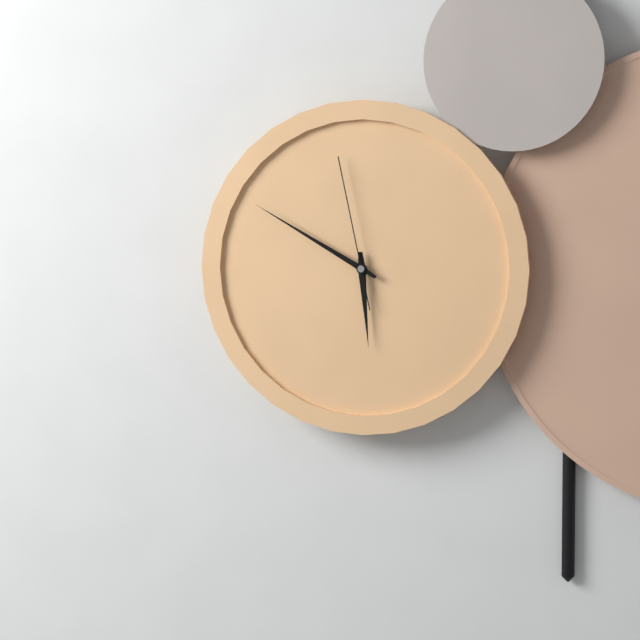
{"hour": 5, "minute": 50, "second": 58}
